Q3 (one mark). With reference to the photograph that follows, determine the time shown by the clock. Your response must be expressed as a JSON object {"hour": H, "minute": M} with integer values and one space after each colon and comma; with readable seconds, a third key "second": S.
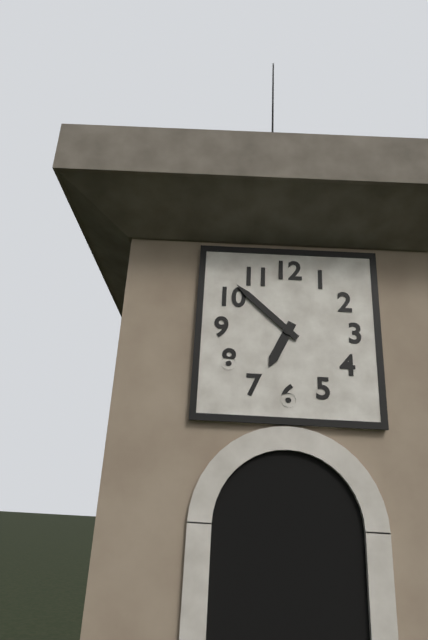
{"hour": 6, "minute": 52}
